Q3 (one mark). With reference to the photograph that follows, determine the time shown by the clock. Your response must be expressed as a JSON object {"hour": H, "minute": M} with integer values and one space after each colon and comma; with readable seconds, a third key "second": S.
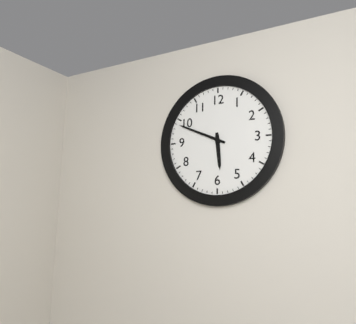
{"hour": 5, "minute": 49}
